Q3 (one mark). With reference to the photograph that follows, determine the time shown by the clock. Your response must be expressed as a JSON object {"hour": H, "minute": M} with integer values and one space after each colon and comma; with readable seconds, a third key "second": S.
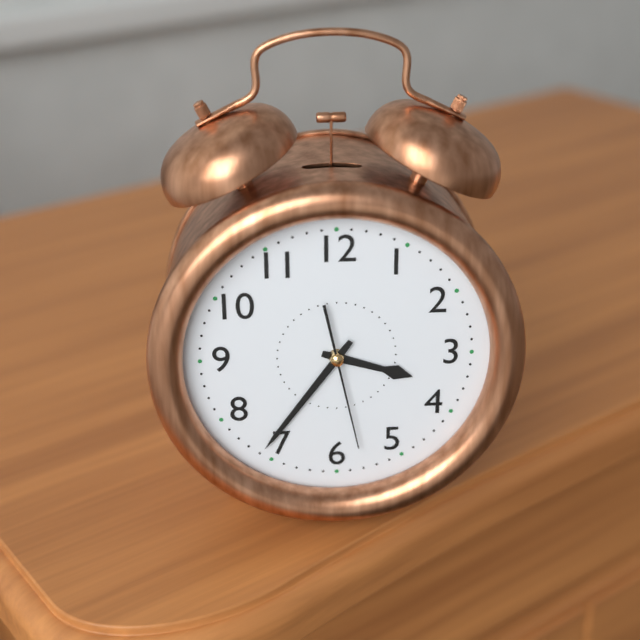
{"hour": 3, "minute": 36, "second": 28}
